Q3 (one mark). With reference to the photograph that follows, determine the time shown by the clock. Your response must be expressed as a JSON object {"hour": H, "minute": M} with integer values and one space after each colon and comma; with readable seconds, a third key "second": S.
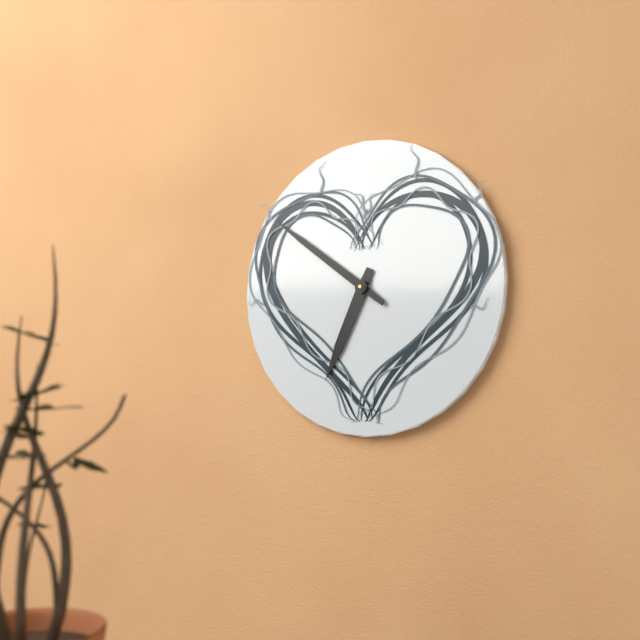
{"hour": 6, "minute": 51}
